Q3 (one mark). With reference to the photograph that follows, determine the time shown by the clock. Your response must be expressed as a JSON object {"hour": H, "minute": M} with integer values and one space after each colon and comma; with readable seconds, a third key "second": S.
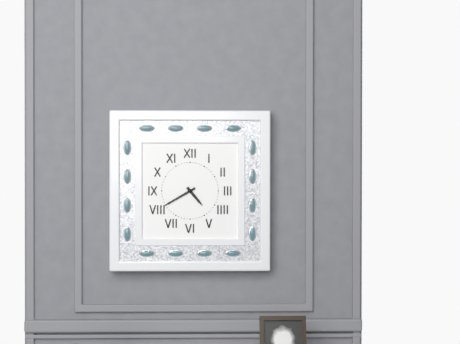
{"hour": 4, "minute": 40}
